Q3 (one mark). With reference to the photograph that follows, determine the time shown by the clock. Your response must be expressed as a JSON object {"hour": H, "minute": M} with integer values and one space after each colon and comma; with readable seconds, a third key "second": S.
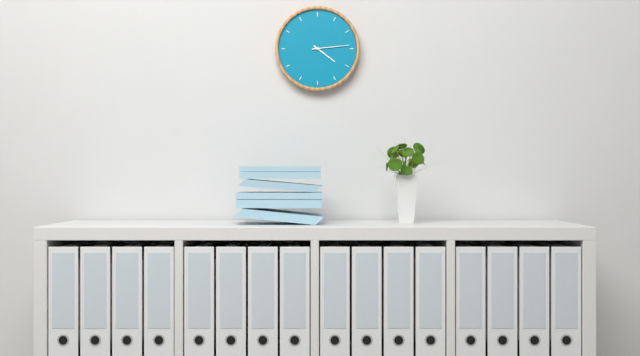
{"hour": 4, "minute": 14}
